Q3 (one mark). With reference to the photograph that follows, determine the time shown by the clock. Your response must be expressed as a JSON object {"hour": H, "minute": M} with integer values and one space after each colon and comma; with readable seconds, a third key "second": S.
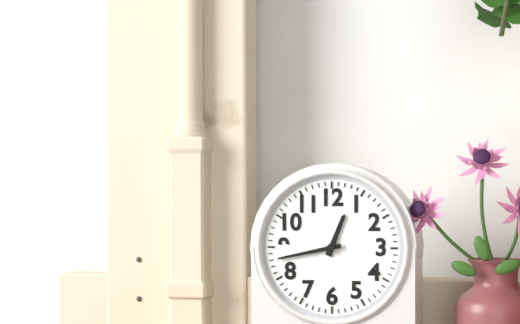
{"hour": 12, "minute": 43}
